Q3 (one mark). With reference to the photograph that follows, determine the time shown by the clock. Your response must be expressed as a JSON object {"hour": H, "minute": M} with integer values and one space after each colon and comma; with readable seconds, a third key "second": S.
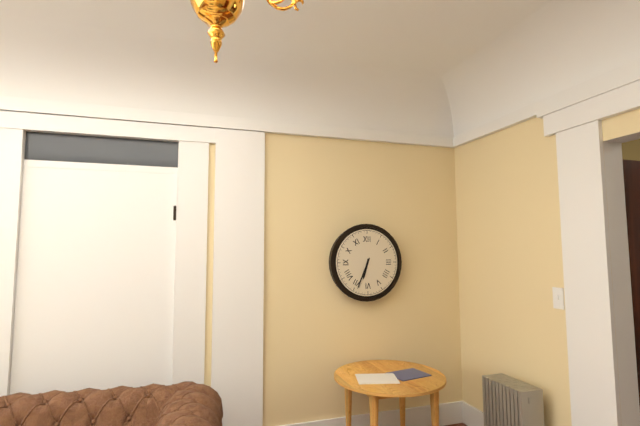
{"hour": 6, "minute": 34}
